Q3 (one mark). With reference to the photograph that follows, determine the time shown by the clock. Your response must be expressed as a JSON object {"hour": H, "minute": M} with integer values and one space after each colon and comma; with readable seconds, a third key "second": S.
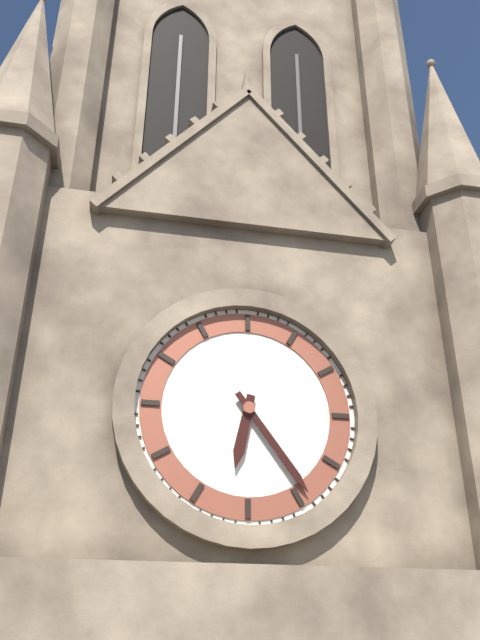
{"hour": 6, "minute": 24}
